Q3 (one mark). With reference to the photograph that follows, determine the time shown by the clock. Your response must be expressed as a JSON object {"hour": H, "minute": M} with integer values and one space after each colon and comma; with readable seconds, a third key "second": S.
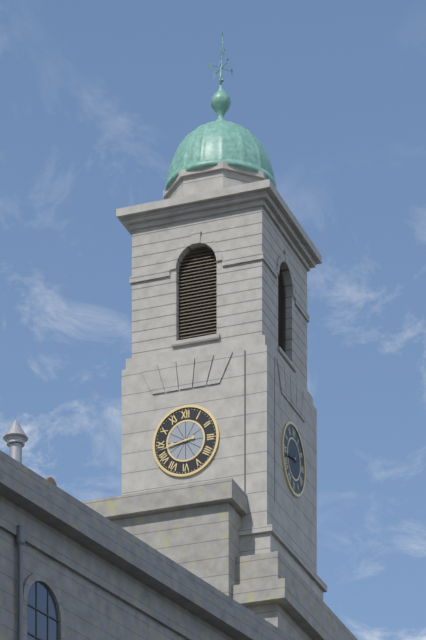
{"hour": 8, "minute": 43}
